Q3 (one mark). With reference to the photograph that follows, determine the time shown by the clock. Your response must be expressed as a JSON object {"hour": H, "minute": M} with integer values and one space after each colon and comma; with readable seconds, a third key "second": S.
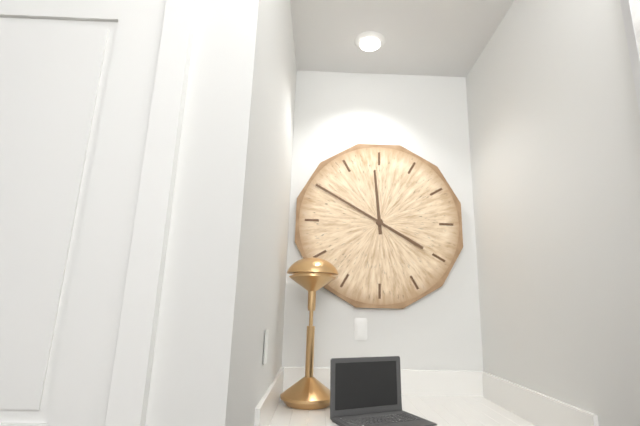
{"hour": 11, "minute": 50}
